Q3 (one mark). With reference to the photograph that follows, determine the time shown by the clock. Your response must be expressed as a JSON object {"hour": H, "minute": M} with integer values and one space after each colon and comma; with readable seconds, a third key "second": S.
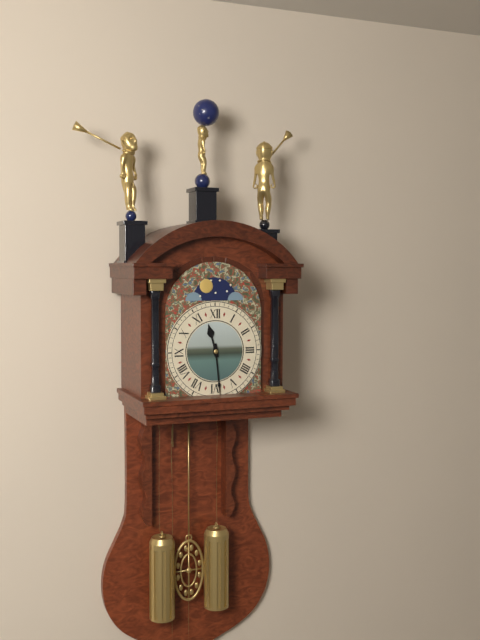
{"hour": 11, "minute": 29}
